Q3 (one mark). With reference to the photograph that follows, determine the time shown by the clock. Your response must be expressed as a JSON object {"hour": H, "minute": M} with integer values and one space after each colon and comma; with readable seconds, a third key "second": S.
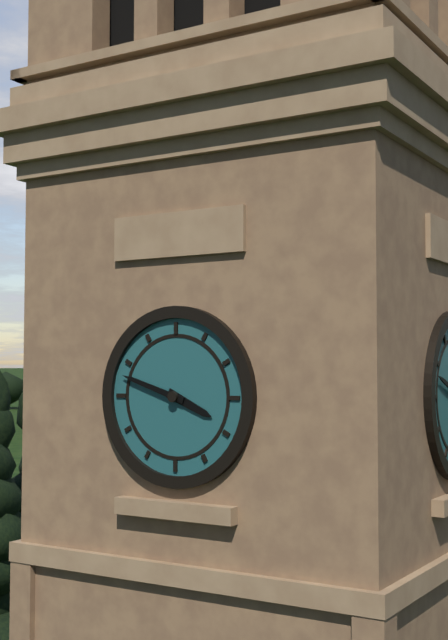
{"hour": 3, "minute": 48}
